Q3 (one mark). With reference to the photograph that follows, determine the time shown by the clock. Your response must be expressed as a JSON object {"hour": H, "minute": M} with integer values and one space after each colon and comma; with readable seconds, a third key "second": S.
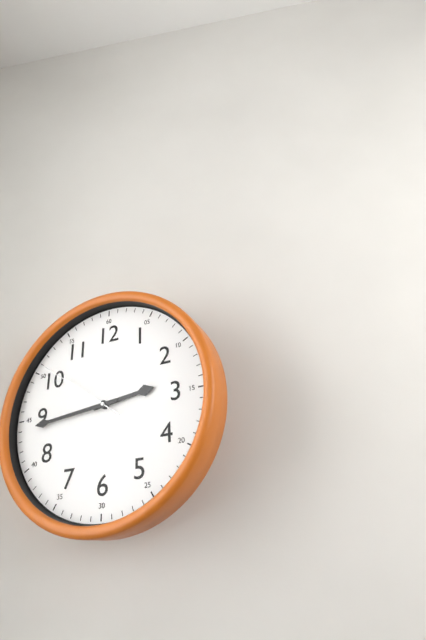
{"hour": 2, "minute": 44, "second": 51}
